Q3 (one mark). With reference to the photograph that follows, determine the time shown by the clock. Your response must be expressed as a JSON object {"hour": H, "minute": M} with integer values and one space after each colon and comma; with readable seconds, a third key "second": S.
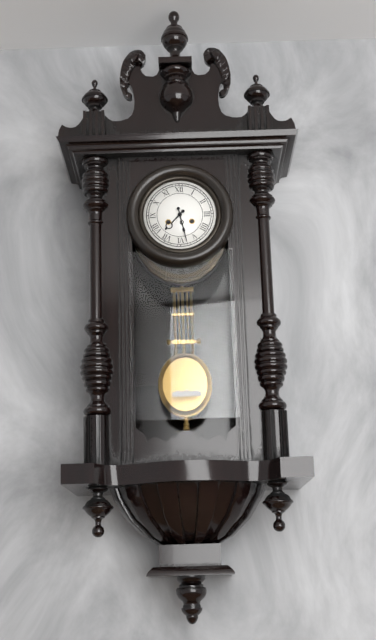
{"hour": 7, "minute": 28}
